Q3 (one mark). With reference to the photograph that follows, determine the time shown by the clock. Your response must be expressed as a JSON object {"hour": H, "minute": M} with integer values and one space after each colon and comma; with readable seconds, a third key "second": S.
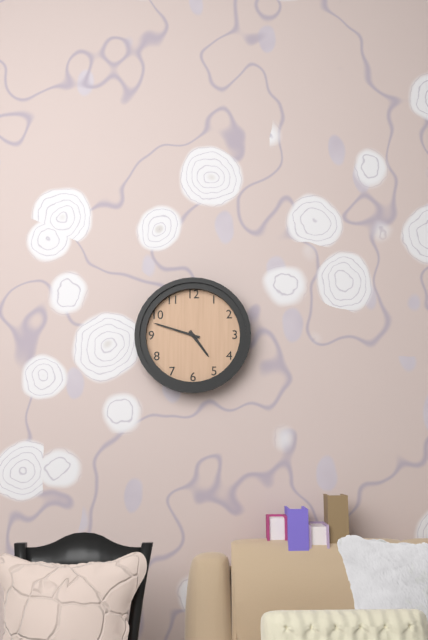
{"hour": 4, "minute": 48}
